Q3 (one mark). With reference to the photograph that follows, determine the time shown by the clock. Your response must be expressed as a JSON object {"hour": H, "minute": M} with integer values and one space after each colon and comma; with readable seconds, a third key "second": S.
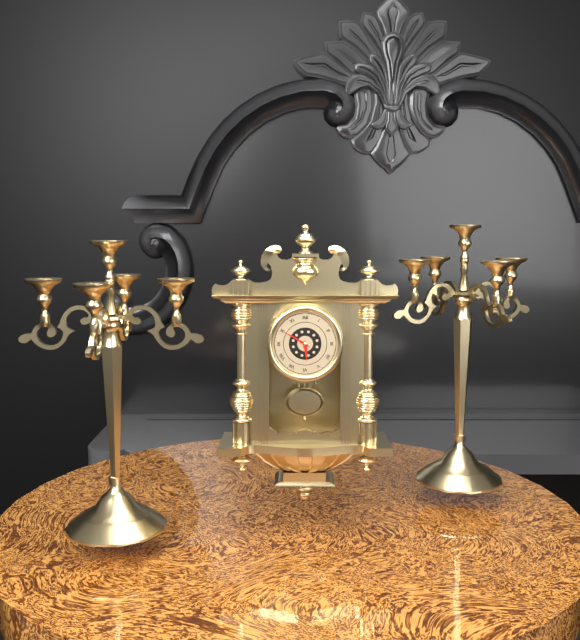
{"hour": 5, "minute": 50}
